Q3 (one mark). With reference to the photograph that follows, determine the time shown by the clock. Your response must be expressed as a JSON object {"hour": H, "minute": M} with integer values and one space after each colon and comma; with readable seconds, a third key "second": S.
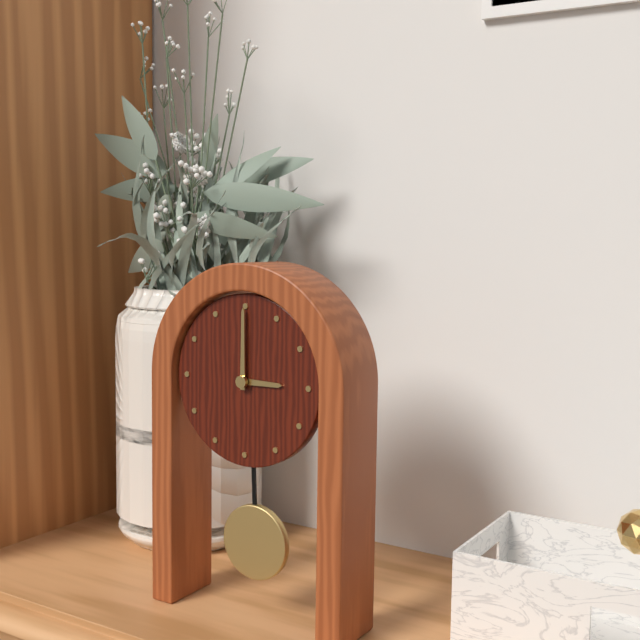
{"hour": 3, "minute": 0}
